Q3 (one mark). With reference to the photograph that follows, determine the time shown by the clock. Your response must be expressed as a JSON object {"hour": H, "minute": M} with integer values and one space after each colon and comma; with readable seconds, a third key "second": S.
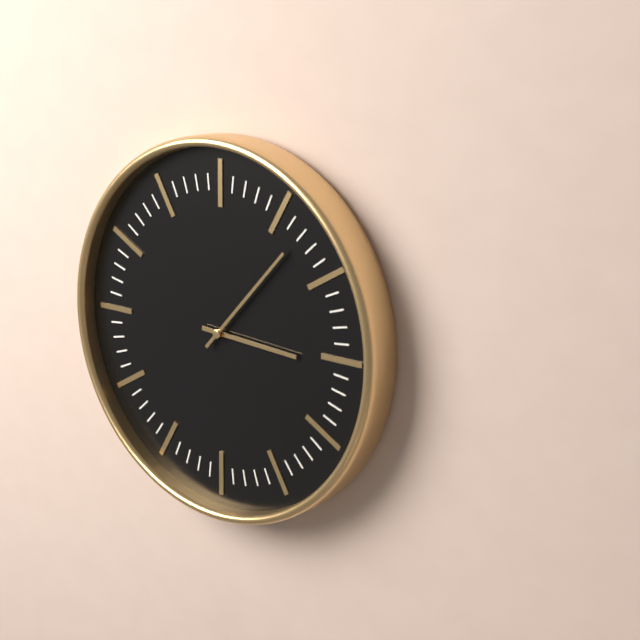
{"hour": 3, "minute": 7}
